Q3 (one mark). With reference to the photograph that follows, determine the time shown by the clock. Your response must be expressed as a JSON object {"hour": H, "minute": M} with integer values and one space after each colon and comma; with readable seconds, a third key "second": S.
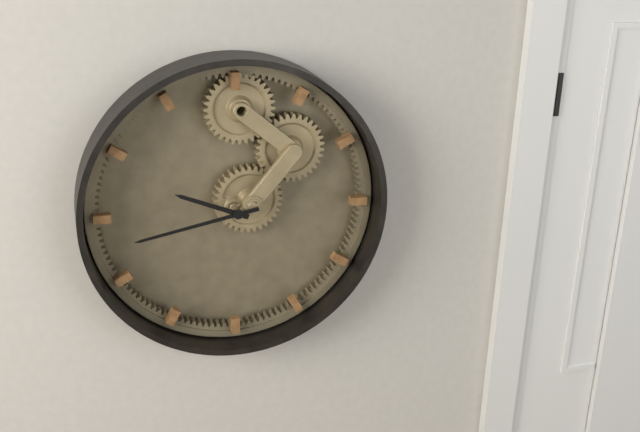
{"hour": 9, "minute": 43}
